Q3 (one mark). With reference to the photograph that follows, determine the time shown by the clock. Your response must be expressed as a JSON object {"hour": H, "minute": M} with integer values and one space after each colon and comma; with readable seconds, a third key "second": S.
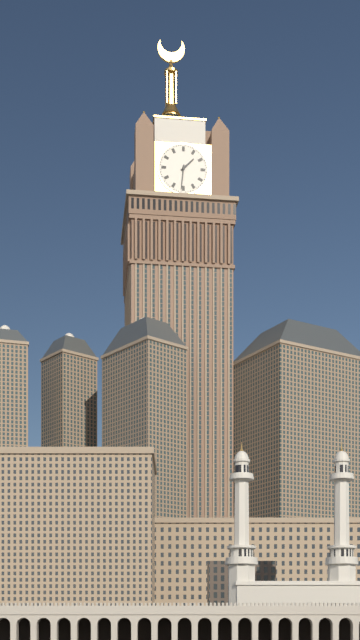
{"hour": 1, "minute": 31}
